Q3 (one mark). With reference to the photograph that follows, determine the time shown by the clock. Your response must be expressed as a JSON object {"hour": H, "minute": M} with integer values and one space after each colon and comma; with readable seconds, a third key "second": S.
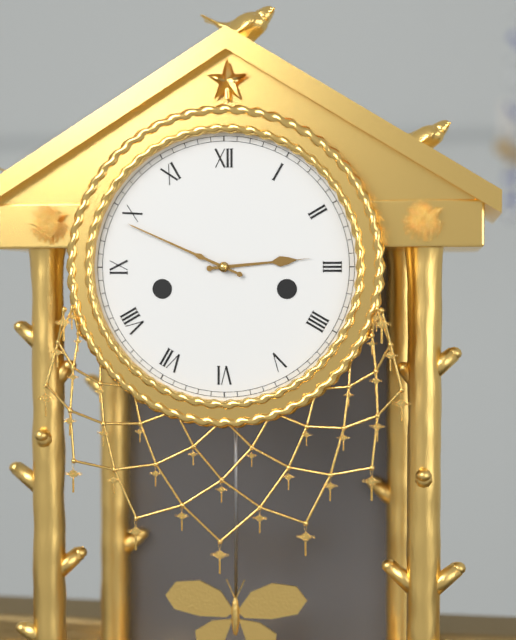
{"hour": 2, "minute": 49}
